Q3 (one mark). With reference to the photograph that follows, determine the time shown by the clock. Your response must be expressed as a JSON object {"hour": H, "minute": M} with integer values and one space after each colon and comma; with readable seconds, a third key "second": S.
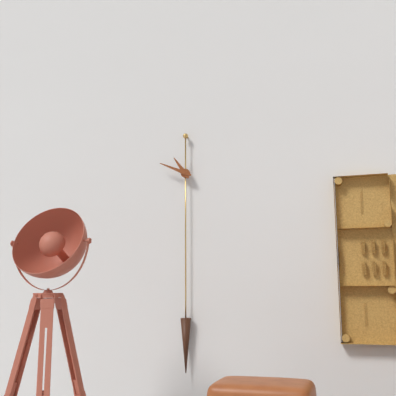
{"hour": 10, "minute": 49}
